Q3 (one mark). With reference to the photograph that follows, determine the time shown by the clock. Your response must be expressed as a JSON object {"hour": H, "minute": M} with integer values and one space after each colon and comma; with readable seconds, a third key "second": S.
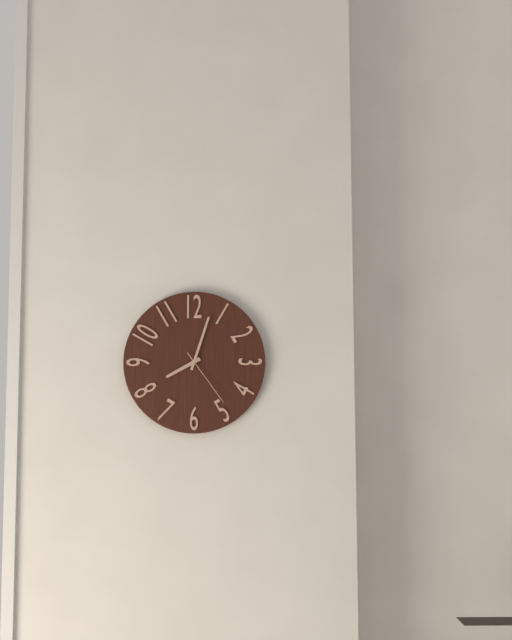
{"hour": 8, "minute": 3, "second": 24}
